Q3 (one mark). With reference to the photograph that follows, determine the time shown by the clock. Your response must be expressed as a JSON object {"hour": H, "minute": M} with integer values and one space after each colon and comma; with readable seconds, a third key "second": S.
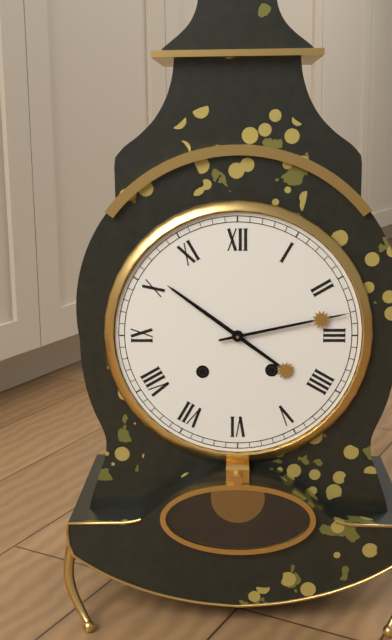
{"hour": 10, "minute": 13}
